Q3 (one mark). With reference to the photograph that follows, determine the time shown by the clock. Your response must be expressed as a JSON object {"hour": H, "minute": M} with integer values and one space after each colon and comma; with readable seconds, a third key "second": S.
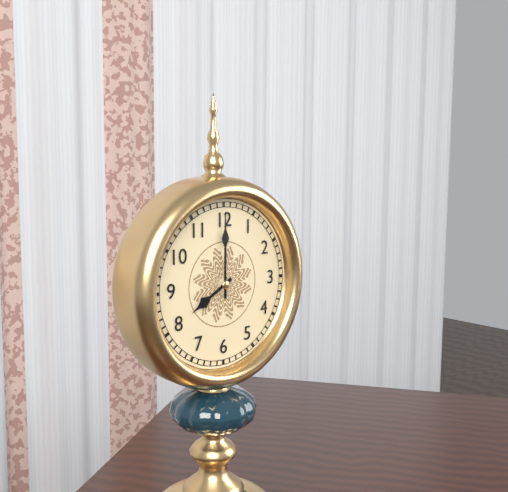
{"hour": 8, "minute": 0}
